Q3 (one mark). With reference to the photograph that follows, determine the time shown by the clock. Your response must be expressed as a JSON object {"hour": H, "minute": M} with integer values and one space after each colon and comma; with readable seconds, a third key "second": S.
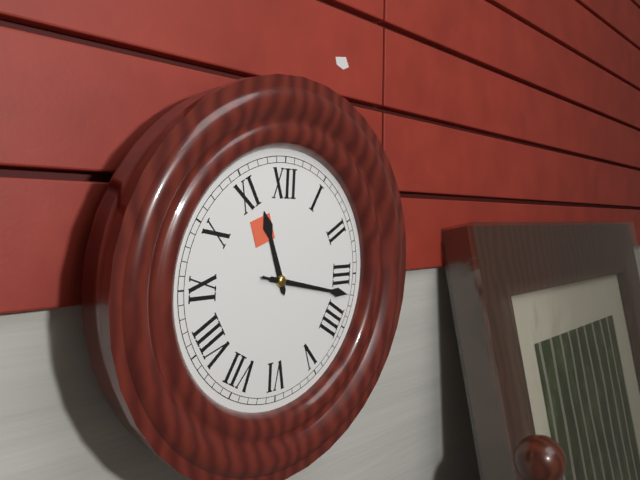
{"hour": 11, "minute": 17, "second": 17}
